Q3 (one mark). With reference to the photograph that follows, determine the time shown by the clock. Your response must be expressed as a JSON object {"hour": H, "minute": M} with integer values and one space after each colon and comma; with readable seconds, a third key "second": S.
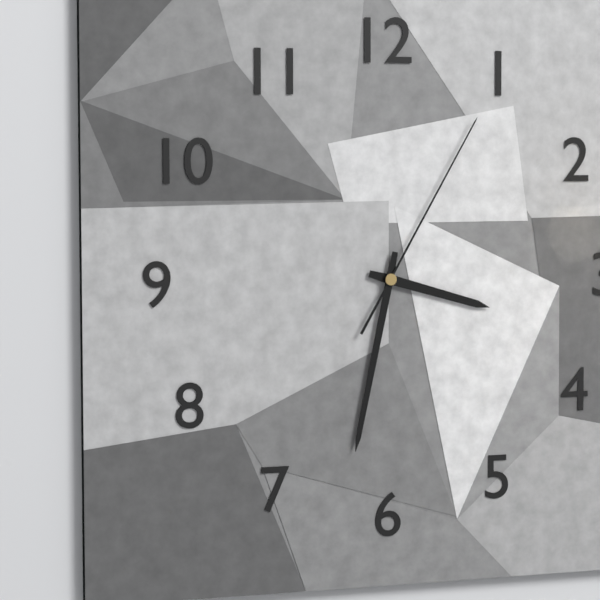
{"hour": 3, "minute": 32, "second": 5}
